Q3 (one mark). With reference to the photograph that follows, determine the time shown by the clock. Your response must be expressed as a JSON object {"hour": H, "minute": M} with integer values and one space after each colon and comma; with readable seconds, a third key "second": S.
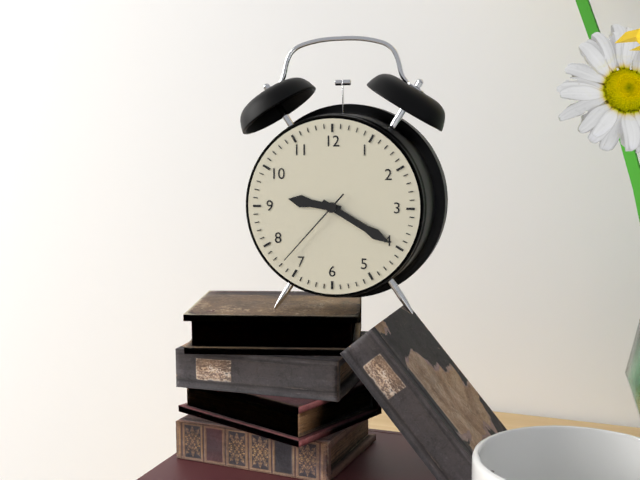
{"hour": 9, "minute": 20, "second": 37}
